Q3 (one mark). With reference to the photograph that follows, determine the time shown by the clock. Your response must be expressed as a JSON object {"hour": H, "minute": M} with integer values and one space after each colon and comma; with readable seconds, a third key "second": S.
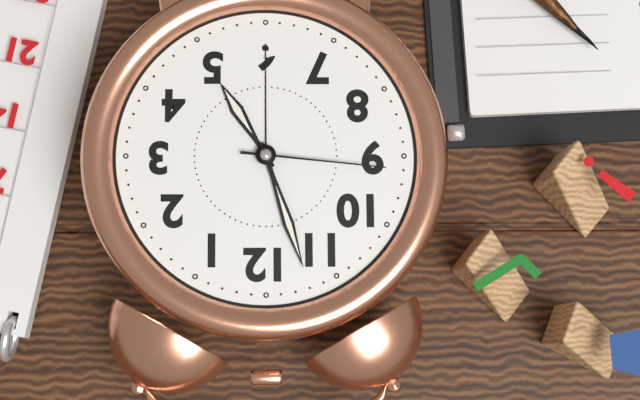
{"hour": 4, "minute": 57, "second": 46}
